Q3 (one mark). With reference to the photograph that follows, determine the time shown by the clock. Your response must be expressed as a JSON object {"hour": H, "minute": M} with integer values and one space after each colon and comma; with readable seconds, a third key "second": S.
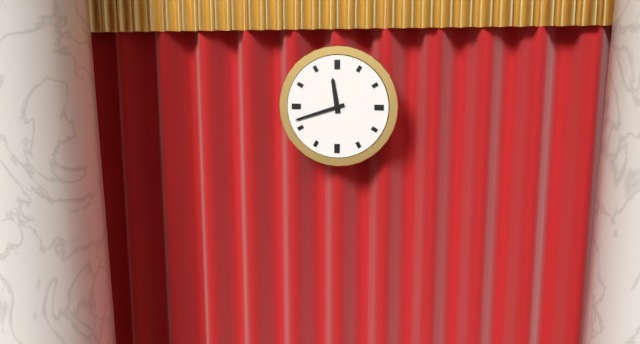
{"hour": 11, "minute": 42}
